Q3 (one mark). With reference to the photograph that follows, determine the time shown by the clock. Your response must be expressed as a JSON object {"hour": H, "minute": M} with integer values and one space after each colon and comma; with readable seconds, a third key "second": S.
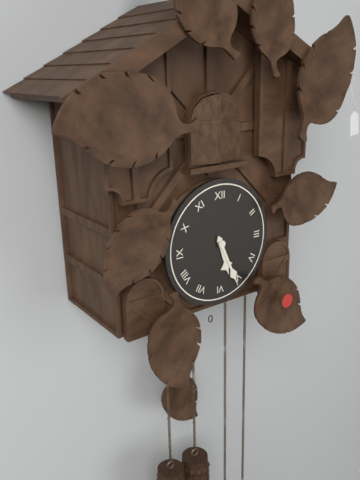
{"hour": 5, "minute": 26}
